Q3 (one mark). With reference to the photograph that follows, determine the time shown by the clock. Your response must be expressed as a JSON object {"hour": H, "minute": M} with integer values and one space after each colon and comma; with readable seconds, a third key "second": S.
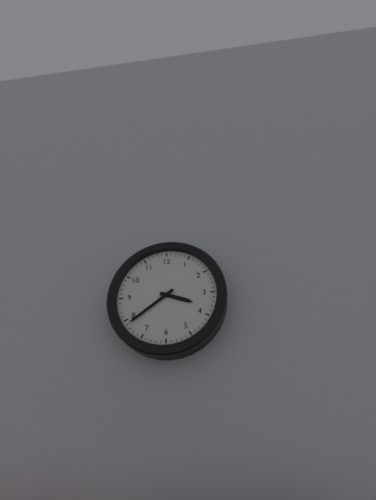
{"hour": 3, "minute": 39}
